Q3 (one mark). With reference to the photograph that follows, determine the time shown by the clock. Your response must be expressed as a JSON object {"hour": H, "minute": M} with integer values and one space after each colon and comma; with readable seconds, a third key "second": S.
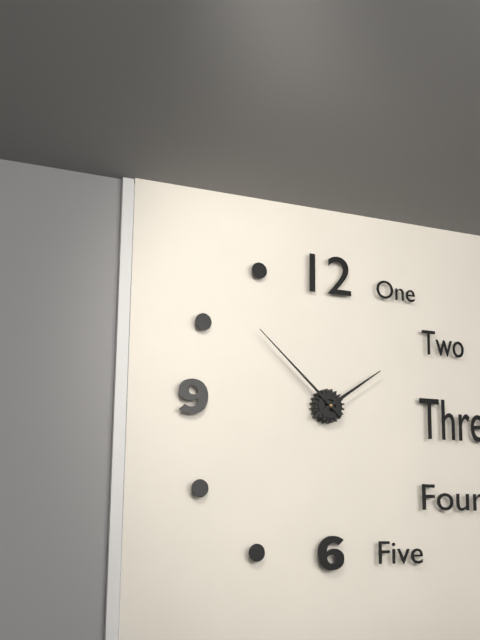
{"hour": 1, "minute": 52}
